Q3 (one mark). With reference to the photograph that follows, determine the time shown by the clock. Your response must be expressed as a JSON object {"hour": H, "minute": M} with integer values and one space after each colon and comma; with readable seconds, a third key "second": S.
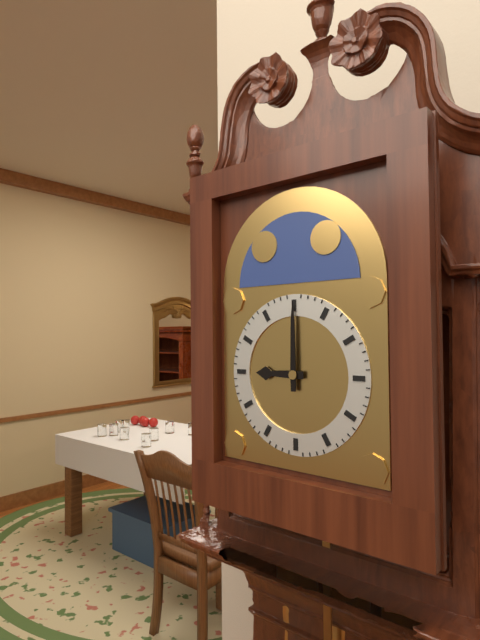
{"hour": 9, "minute": 0}
